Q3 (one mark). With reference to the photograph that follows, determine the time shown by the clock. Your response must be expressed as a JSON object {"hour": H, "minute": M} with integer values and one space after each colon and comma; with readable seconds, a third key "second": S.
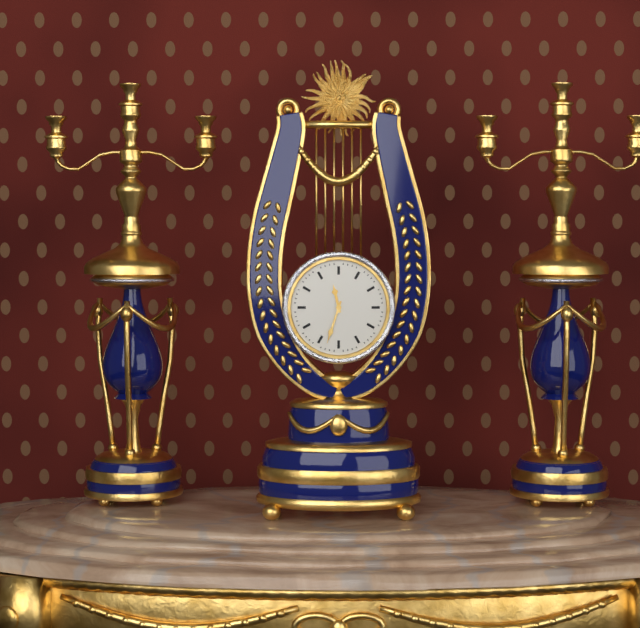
{"hour": 11, "minute": 33}
